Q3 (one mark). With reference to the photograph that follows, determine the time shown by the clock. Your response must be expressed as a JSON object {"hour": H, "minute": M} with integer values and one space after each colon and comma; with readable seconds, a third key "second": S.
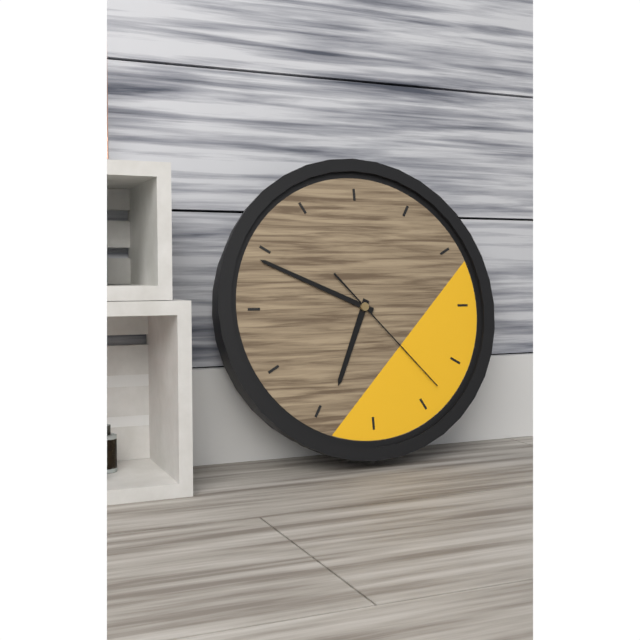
{"hour": 6, "minute": 49, "second": 23}
